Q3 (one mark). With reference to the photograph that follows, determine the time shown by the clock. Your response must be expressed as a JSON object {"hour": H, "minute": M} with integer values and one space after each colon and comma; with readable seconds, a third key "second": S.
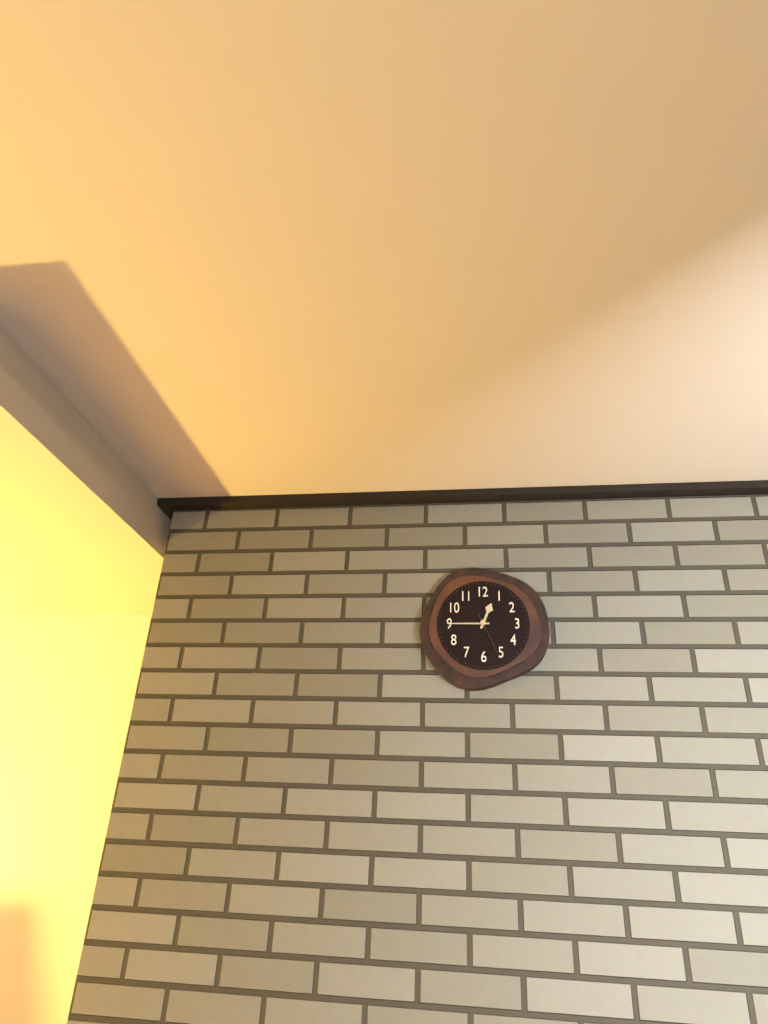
{"hour": 12, "minute": 45}
